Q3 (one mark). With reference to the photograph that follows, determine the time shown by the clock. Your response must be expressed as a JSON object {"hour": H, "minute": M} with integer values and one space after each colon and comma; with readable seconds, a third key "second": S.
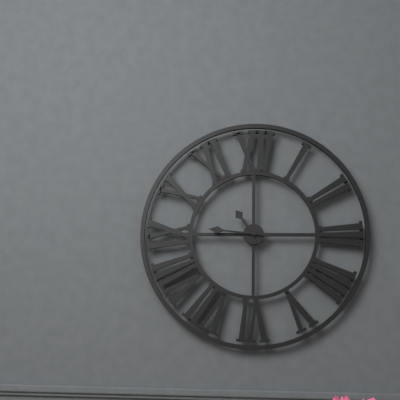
{"hour": 10, "minute": 46}
